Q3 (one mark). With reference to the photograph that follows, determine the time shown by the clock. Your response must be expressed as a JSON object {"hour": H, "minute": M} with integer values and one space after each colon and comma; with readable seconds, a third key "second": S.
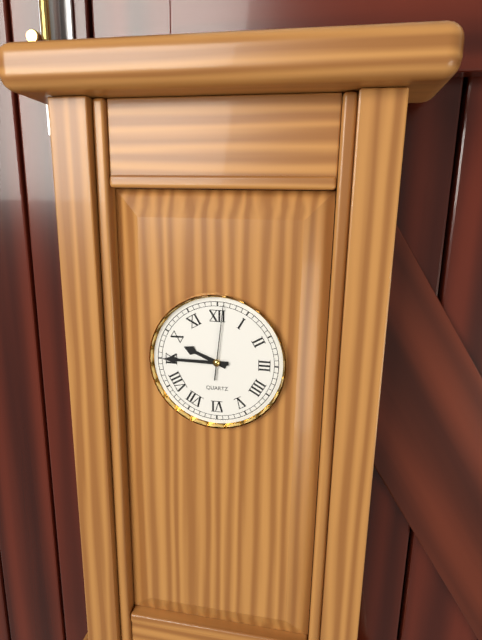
{"hour": 9, "minute": 45, "second": 1}
